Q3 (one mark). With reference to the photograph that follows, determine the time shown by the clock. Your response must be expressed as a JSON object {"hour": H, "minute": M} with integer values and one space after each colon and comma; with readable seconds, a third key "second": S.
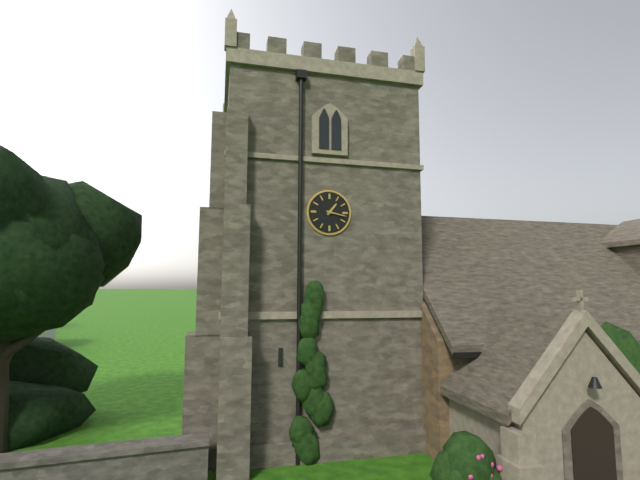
{"hour": 1, "minute": 17}
